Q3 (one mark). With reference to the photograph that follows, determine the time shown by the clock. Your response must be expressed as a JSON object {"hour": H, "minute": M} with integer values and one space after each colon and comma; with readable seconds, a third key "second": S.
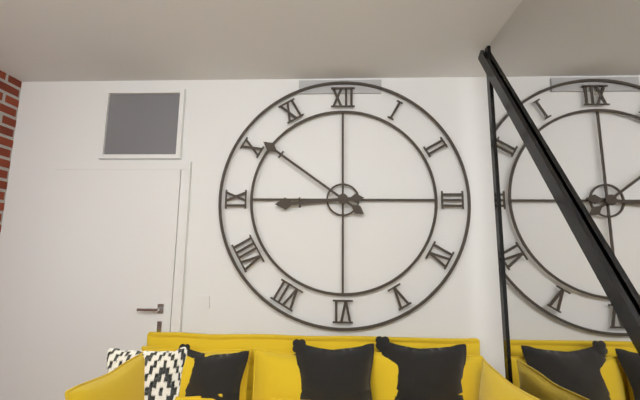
{"hour": 8, "minute": 51}
